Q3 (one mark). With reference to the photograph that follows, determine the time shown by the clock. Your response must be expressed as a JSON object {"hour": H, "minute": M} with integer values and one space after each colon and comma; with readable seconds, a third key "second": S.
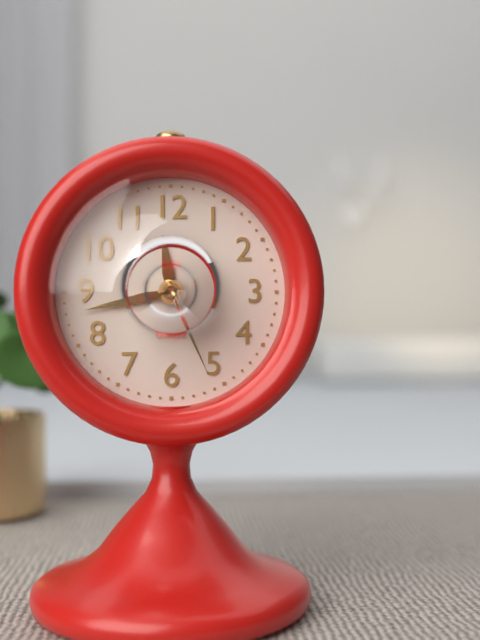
{"hour": 11, "minute": 43, "second": 26}
